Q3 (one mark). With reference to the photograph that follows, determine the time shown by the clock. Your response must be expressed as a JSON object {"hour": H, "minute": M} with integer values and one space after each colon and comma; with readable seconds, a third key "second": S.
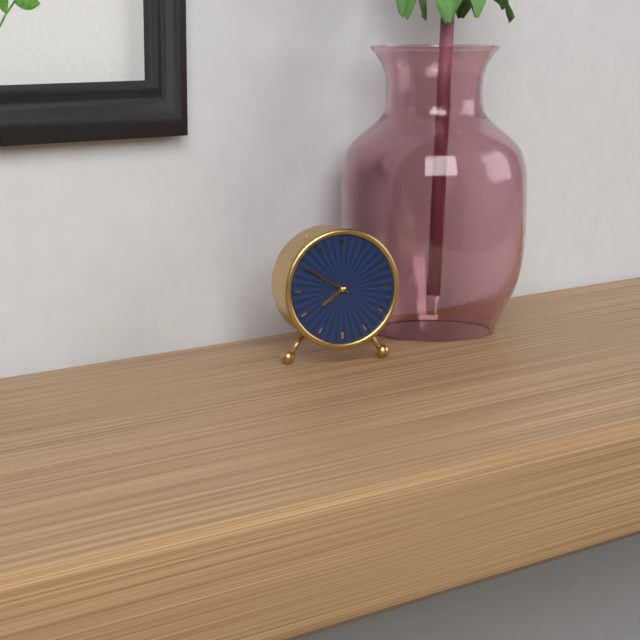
{"hour": 7, "minute": 50}
